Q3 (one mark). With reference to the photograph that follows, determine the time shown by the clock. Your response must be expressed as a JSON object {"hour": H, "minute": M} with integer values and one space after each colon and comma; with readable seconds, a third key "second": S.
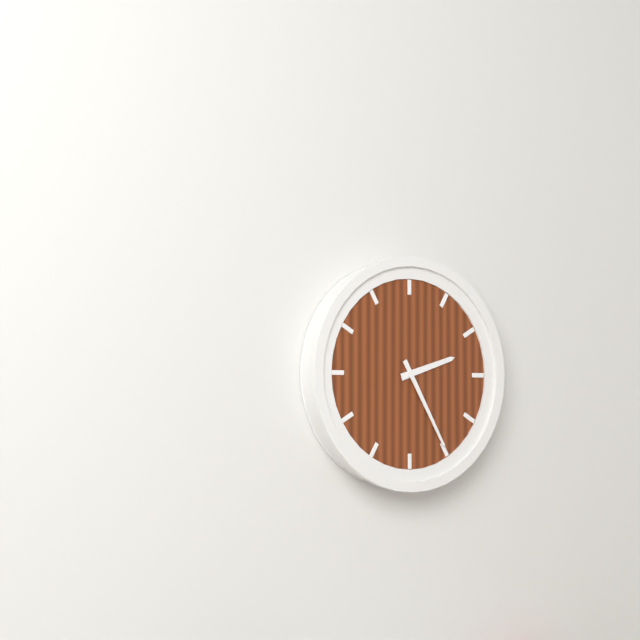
{"hour": 2, "minute": 25}
